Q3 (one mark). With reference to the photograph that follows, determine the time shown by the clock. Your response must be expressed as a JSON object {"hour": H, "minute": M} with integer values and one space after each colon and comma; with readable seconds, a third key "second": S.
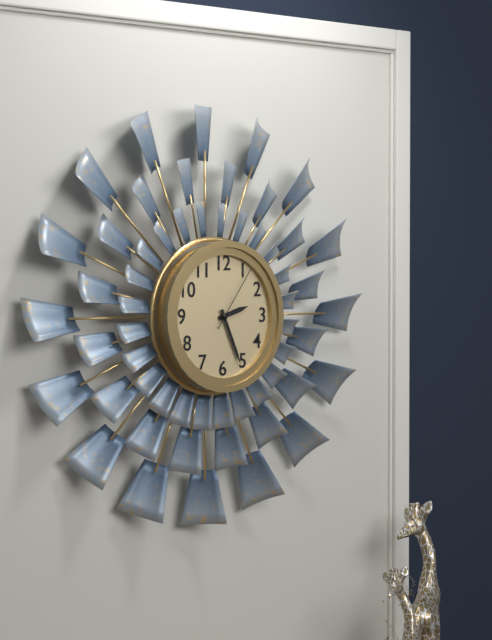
{"hour": 2, "minute": 26, "second": 6}
